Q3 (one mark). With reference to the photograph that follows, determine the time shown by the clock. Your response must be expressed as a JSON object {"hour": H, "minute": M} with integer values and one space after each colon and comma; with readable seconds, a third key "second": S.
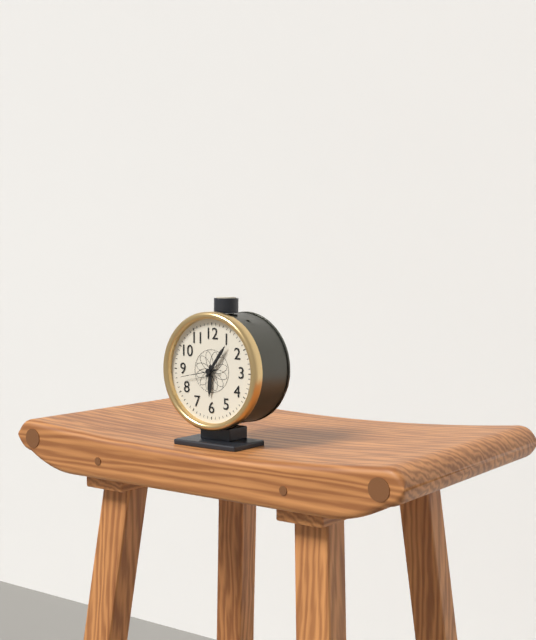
{"hour": 6, "minute": 6}
